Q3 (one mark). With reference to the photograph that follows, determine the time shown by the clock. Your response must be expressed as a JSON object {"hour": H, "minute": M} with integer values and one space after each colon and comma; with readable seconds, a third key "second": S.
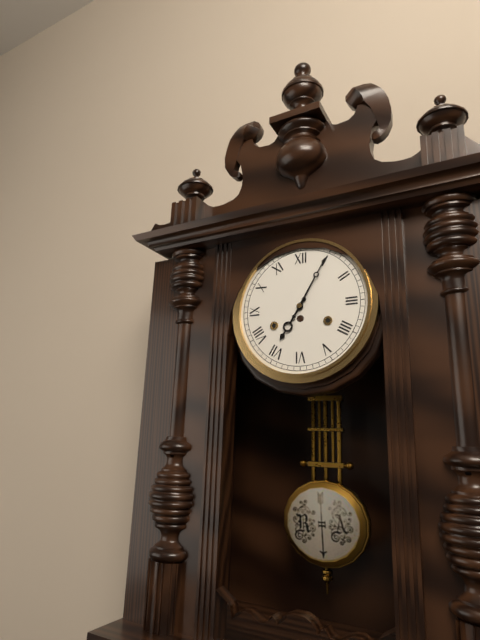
{"hour": 7, "minute": 5}
